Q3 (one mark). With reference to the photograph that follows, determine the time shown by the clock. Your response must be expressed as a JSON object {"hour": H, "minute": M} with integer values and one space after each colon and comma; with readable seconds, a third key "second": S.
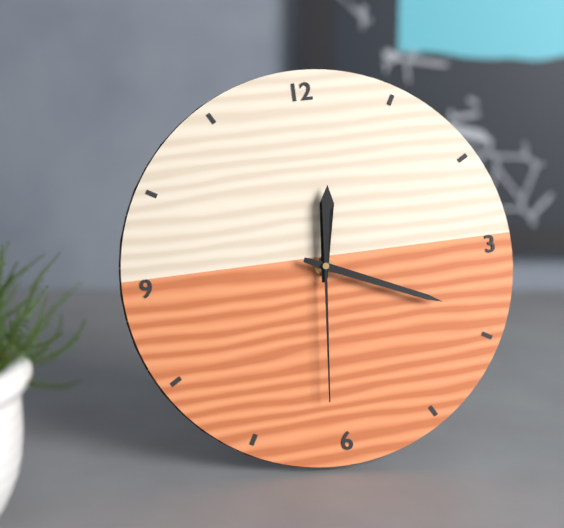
{"hour": 12, "minute": 19, "second": 31}
